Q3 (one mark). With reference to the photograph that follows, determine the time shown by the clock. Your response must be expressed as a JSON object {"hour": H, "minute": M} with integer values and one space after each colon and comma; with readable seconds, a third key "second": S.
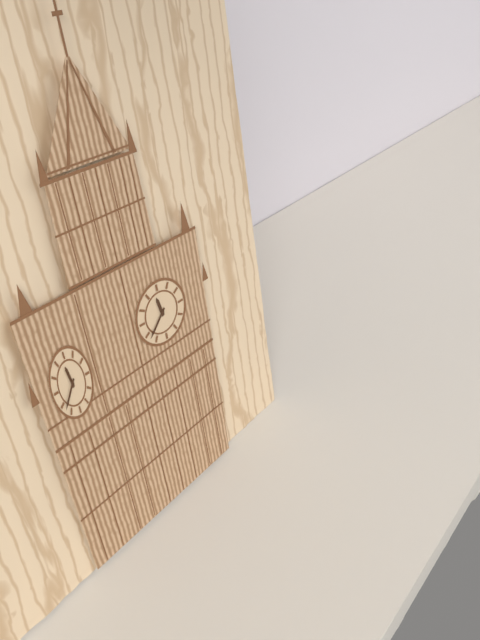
{"hour": 11, "minute": 38}
